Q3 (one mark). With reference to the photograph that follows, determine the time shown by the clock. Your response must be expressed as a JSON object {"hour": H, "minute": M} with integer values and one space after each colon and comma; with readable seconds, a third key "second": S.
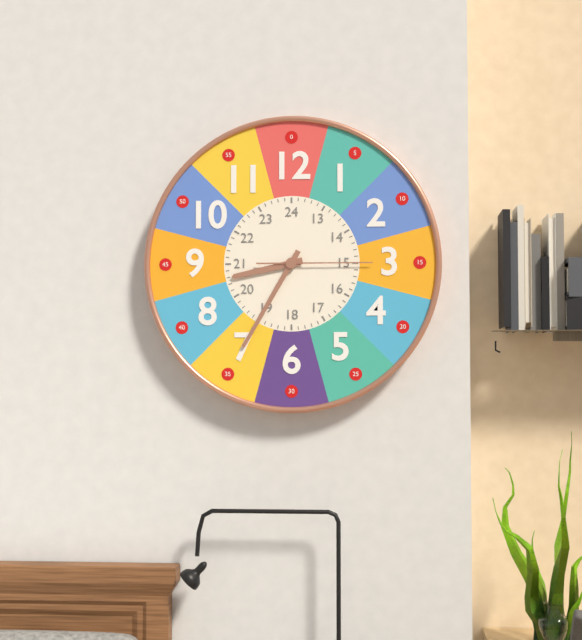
{"hour": 8, "minute": 35, "second": 15}
